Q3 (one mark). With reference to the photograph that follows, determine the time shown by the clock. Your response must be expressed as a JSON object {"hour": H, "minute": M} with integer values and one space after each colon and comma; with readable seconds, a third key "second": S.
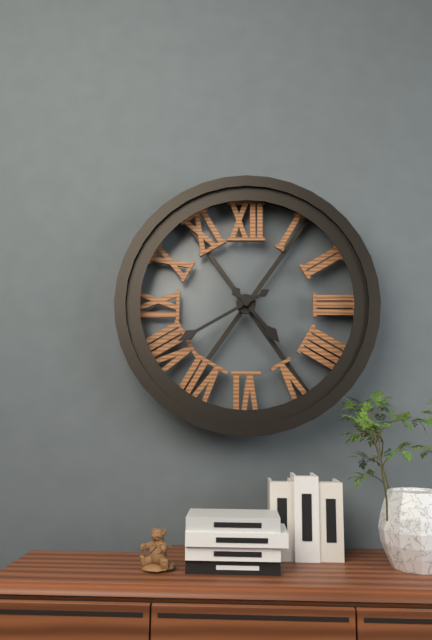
{"hour": 4, "minute": 40}
